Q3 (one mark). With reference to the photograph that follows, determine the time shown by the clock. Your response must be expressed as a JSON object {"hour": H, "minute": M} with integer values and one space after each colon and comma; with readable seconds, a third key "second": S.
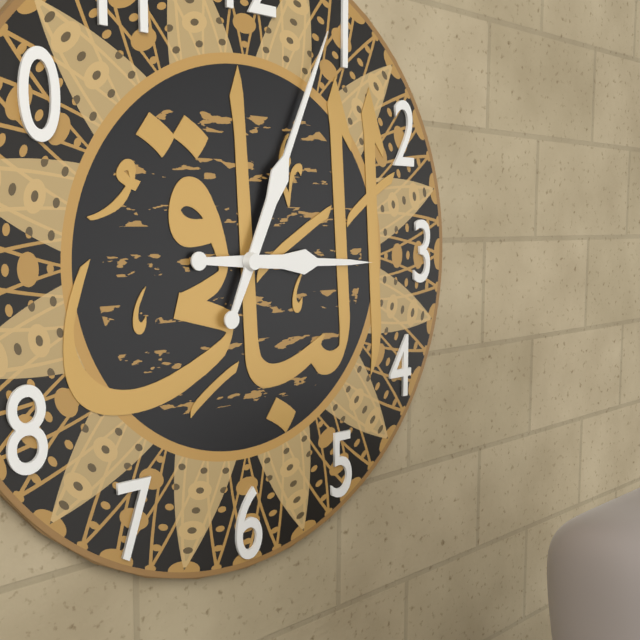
{"hour": 3, "minute": 4}
